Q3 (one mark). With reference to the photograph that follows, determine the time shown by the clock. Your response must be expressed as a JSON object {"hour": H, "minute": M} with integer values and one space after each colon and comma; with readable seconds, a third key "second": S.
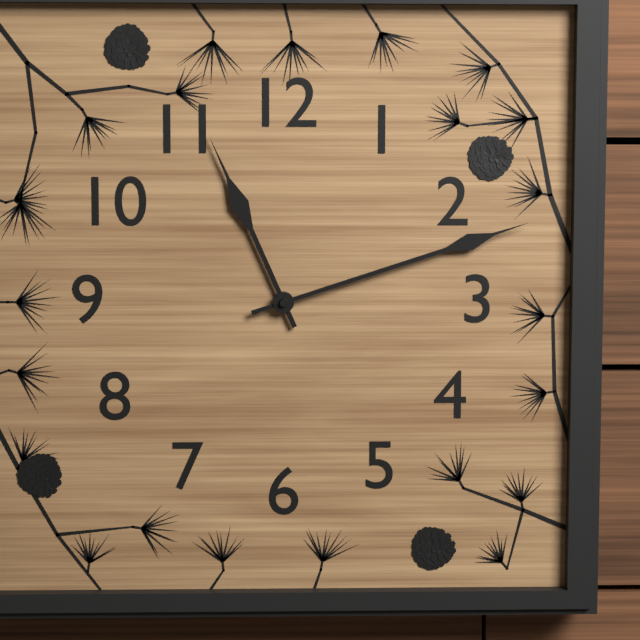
{"hour": 11, "minute": 12}
